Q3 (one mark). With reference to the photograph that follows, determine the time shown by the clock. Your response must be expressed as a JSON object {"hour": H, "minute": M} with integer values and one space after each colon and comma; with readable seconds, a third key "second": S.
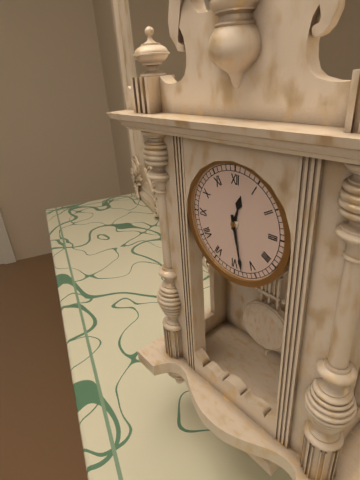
{"hour": 12, "minute": 28}
